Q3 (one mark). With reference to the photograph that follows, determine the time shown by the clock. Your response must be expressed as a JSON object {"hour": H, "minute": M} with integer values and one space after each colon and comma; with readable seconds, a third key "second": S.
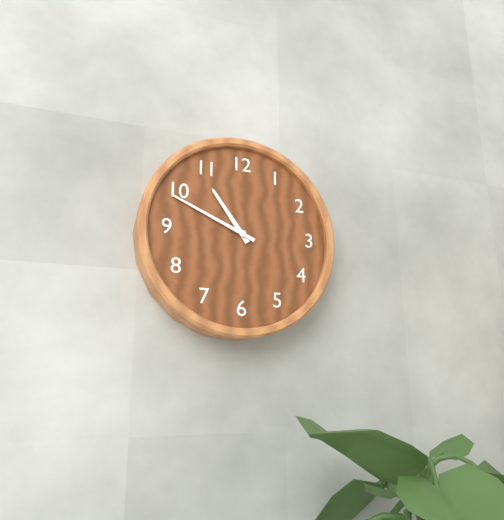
{"hour": 10, "minute": 49}
